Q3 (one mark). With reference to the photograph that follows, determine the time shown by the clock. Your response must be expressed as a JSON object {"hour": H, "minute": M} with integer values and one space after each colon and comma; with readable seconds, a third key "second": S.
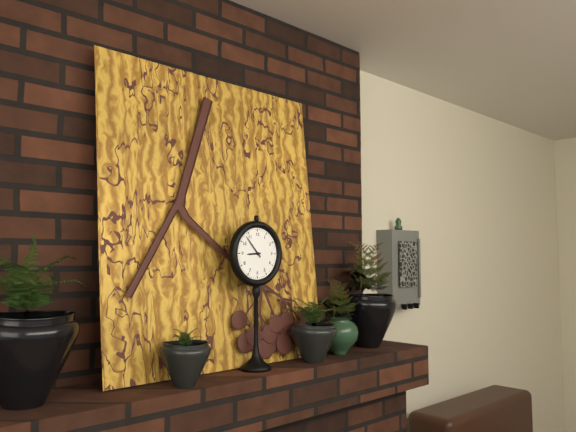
{"hour": 8, "minute": 53}
